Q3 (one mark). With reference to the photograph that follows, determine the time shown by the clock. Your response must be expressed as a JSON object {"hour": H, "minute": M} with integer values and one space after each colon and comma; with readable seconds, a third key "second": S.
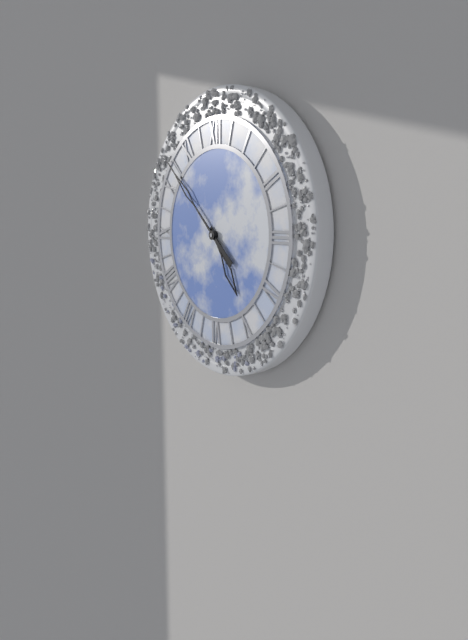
{"hour": 4, "minute": 52}
